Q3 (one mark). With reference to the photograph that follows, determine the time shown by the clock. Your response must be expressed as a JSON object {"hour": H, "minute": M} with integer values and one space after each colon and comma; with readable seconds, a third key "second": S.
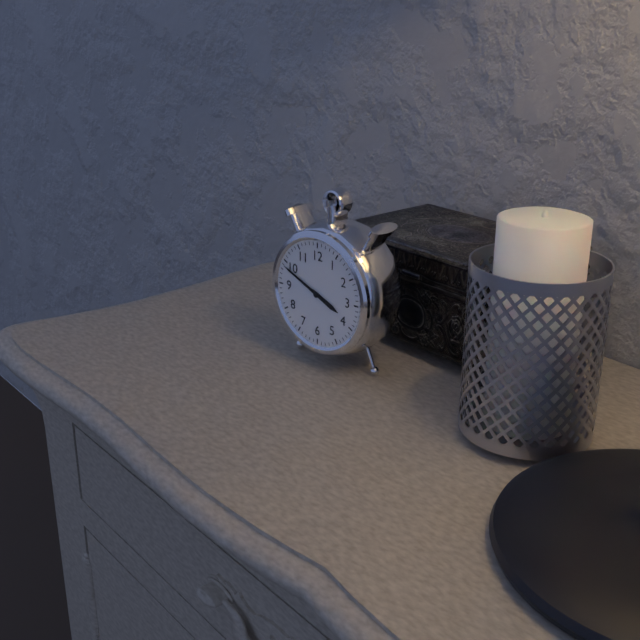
{"hour": 3, "minute": 49}
